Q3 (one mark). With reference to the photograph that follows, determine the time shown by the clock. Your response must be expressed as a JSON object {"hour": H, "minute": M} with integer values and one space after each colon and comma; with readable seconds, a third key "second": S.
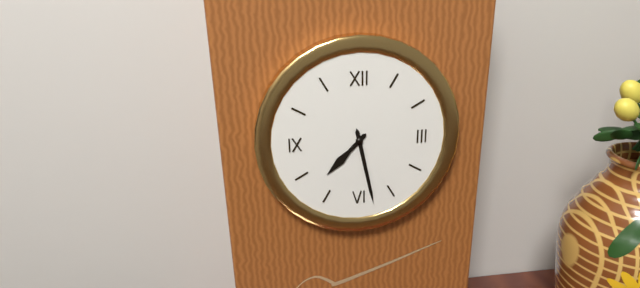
{"hour": 7, "minute": 28}
